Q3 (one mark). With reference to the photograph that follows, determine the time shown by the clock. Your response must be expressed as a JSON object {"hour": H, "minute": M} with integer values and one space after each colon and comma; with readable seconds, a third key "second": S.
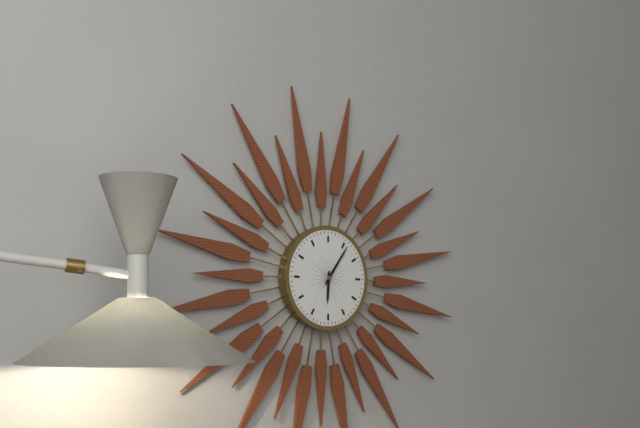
{"hour": 6, "minute": 6}
